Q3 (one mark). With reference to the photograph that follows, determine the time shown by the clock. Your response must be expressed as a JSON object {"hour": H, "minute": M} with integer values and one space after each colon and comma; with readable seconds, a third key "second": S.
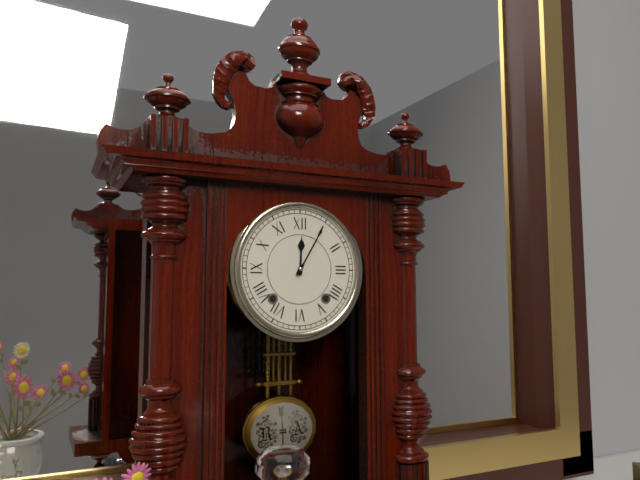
{"hour": 12, "minute": 5}
